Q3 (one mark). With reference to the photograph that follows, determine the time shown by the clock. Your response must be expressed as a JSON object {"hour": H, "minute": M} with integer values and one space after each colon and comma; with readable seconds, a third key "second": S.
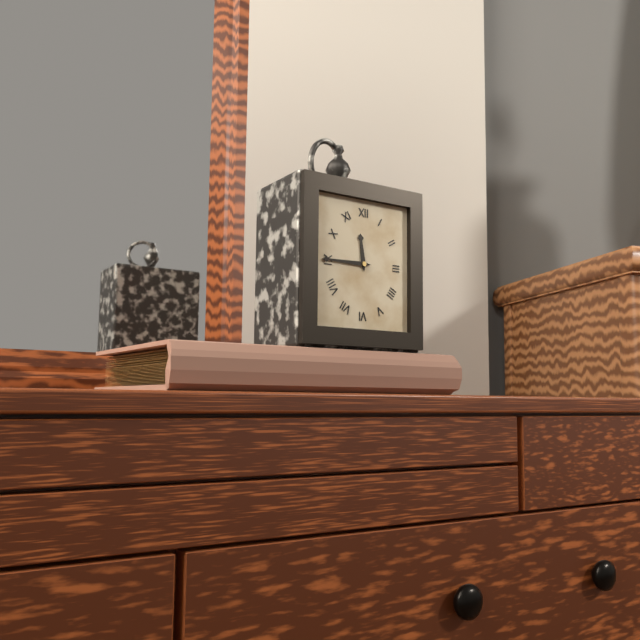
{"hour": 11, "minute": 45}
